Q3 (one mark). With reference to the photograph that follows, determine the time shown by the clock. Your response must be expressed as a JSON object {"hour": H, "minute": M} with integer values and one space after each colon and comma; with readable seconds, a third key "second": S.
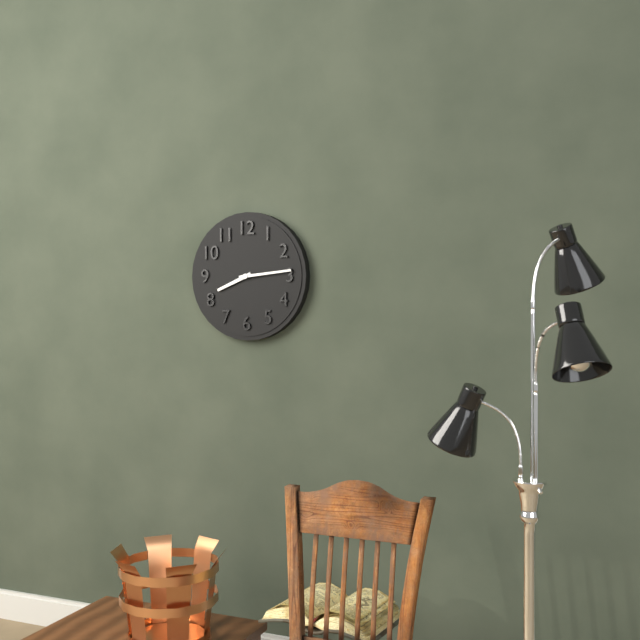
{"hour": 8, "minute": 14}
